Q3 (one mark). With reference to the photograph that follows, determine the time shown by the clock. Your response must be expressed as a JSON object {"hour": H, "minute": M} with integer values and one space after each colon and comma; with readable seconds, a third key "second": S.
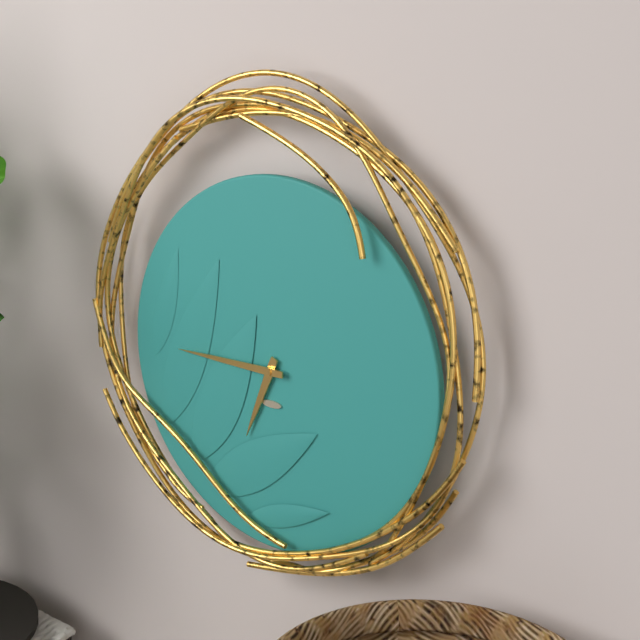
{"hour": 6, "minute": 45}
